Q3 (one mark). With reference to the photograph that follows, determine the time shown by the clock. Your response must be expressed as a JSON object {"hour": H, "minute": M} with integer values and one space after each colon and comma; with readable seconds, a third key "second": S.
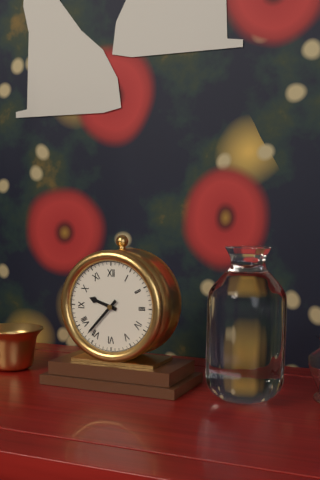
{"hour": 9, "minute": 37}
